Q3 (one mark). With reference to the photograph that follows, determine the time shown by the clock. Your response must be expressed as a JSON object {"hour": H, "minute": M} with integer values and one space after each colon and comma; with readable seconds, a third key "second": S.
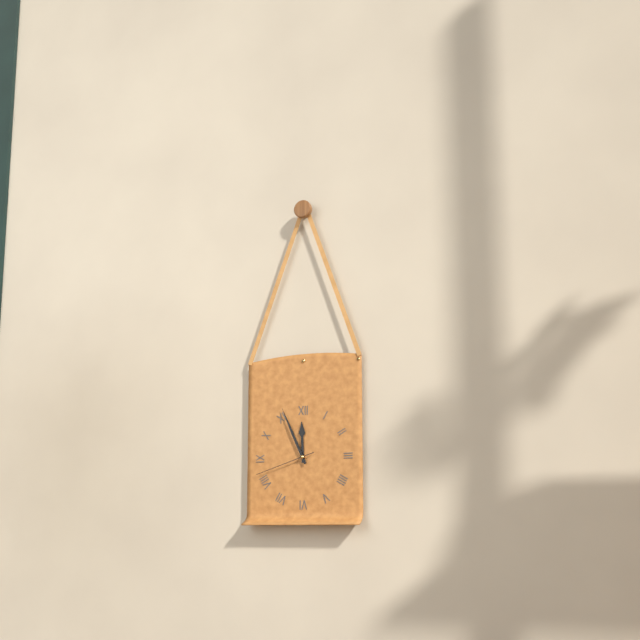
{"hour": 11, "minute": 56, "second": 42}
